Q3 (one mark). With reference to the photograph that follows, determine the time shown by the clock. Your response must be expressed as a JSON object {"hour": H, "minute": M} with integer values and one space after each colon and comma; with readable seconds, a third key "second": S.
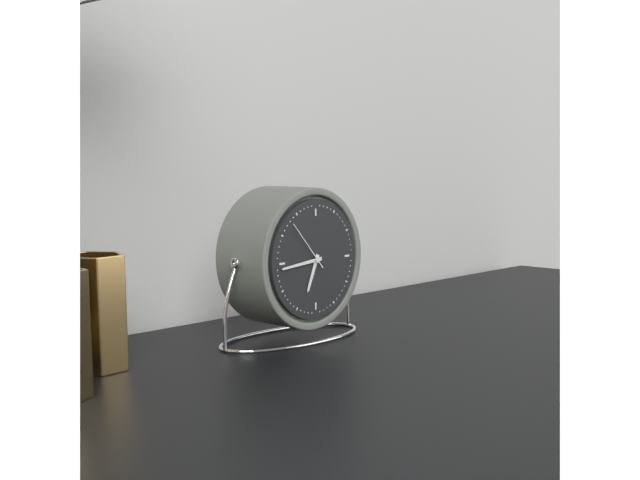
{"hour": 6, "minute": 44, "second": 53}
